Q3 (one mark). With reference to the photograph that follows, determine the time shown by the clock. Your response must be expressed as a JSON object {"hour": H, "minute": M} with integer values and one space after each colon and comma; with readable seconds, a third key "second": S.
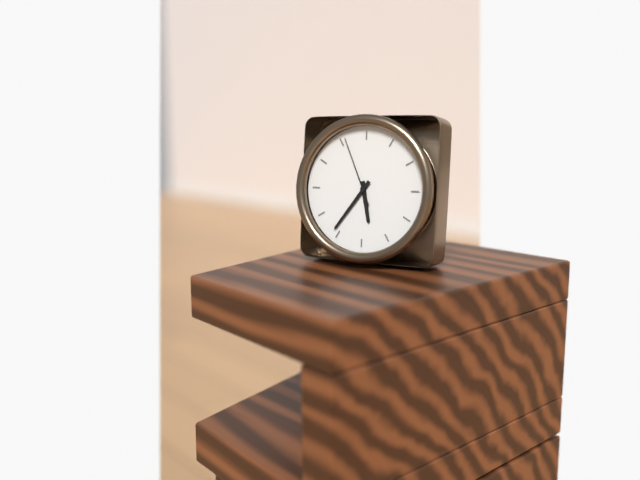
{"hour": 5, "minute": 36, "second": 56}
